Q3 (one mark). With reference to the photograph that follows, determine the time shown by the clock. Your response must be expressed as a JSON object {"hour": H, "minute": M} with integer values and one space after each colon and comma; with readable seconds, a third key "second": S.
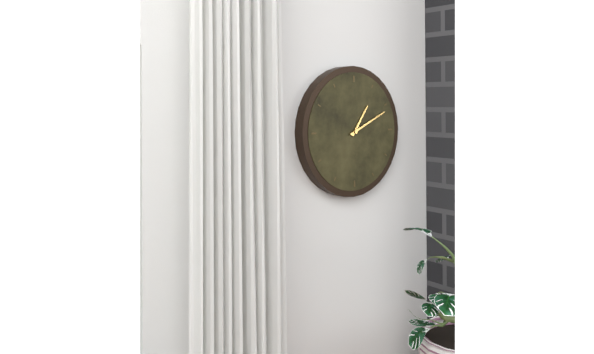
{"hour": 1, "minute": 11}
